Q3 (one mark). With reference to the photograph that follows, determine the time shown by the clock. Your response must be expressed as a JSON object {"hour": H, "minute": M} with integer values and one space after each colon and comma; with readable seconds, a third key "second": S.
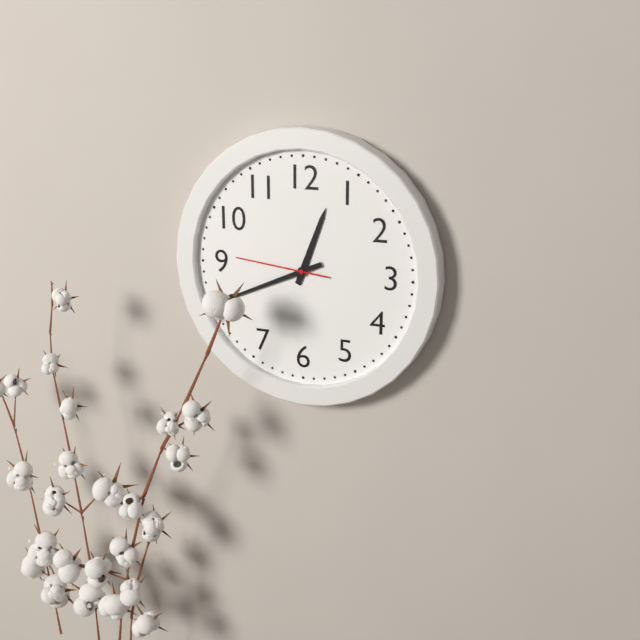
{"hour": 12, "minute": 41, "second": 46}
